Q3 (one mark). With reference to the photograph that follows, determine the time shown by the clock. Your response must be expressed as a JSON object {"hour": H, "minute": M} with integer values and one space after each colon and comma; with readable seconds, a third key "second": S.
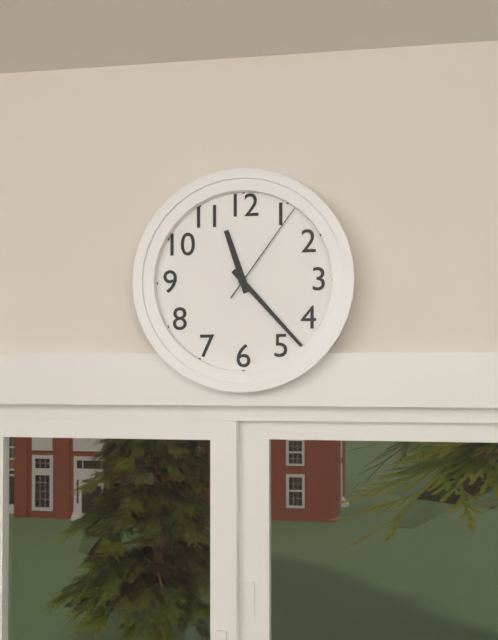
{"hour": 11, "minute": 23, "second": 6}
